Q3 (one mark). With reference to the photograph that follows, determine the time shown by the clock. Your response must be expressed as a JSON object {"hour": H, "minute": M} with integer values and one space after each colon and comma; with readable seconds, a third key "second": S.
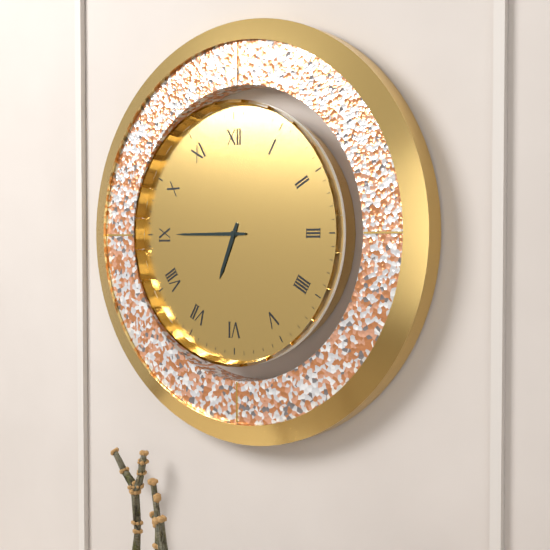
{"hour": 6, "minute": 45}
